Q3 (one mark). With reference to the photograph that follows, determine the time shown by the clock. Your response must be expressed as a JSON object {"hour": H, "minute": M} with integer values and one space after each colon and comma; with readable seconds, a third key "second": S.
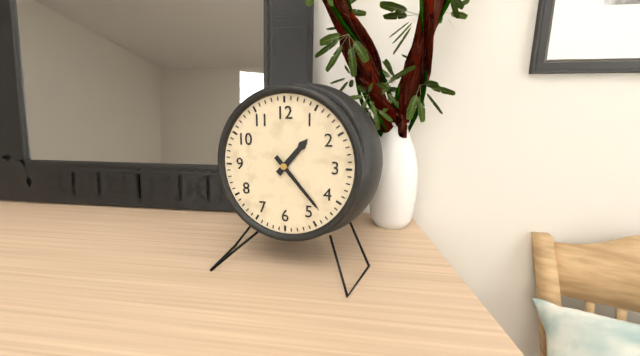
{"hour": 1, "minute": 23}
